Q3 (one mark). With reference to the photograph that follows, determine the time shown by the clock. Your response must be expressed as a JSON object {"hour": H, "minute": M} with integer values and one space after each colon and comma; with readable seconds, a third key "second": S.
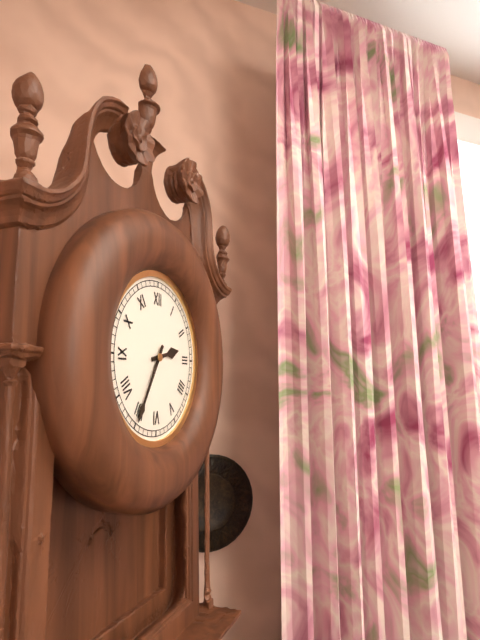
{"hour": 2, "minute": 35}
